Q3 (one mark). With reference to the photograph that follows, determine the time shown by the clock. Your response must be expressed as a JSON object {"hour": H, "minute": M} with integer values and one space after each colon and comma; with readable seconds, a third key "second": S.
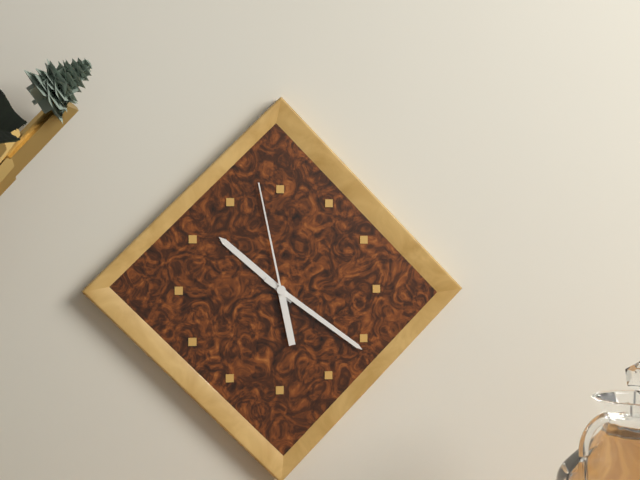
{"hour": 10, "minute": 21, "second": 58}
